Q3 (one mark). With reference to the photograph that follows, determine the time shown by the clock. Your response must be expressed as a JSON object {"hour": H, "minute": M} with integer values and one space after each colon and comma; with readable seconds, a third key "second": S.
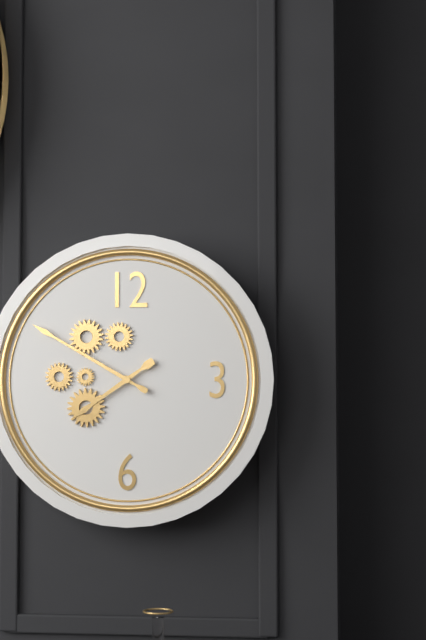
{"hour": 7, "minute": 50}
